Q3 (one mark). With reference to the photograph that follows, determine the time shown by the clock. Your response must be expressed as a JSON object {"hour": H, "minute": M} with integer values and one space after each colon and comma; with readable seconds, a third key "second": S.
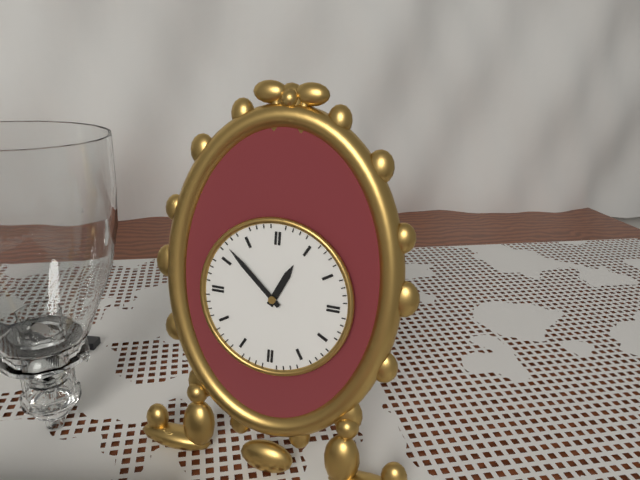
{"hour": 12, "minute": 52}
